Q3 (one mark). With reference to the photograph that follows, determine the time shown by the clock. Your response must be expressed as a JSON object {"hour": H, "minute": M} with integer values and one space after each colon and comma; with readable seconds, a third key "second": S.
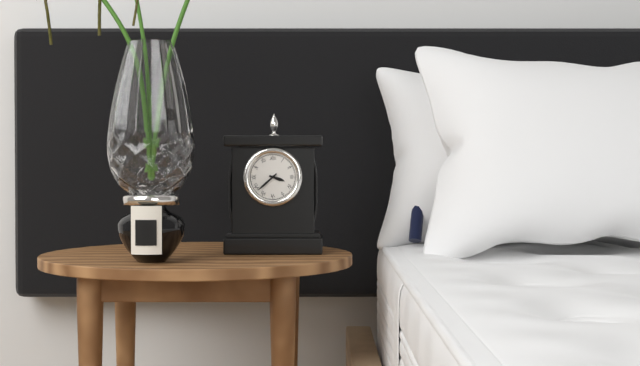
{"hour": 3, "minute": 38}
